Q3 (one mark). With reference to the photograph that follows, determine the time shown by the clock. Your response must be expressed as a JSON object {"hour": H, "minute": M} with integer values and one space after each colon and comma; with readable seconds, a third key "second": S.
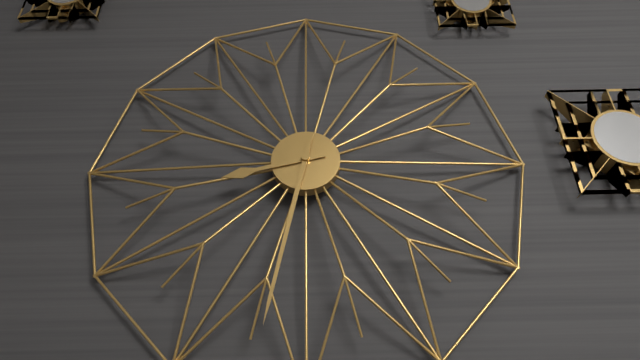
{"hour": 8, "minute": 32}
